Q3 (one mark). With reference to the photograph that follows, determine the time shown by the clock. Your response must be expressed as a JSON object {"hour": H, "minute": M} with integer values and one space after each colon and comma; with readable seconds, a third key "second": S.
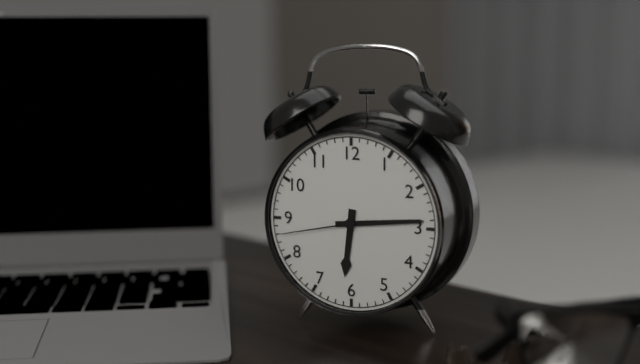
{"hour": 6, "minute": 14, "second": 43}
